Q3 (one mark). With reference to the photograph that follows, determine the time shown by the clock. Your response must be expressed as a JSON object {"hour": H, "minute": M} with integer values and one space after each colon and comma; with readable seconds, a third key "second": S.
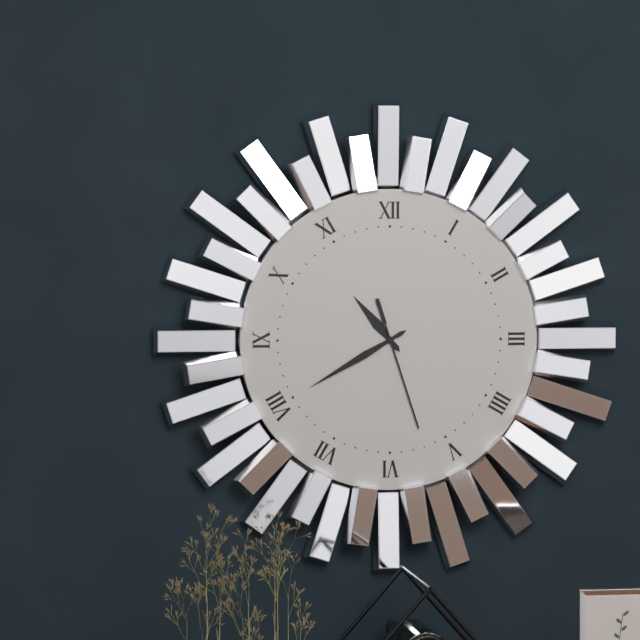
{"hour": 10, "minute": 40, "second": 27}
